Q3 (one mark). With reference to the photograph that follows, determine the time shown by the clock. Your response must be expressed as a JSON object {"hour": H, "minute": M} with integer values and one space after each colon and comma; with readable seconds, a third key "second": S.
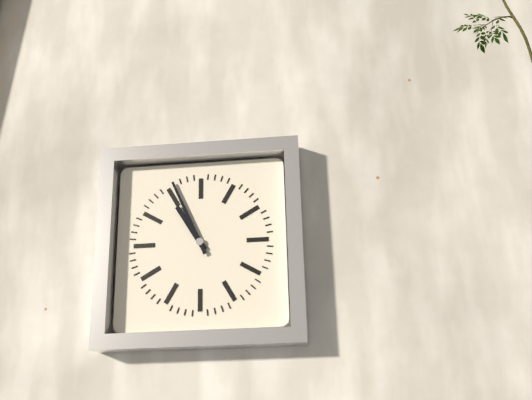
{"hour": 10, "minute": 56}
